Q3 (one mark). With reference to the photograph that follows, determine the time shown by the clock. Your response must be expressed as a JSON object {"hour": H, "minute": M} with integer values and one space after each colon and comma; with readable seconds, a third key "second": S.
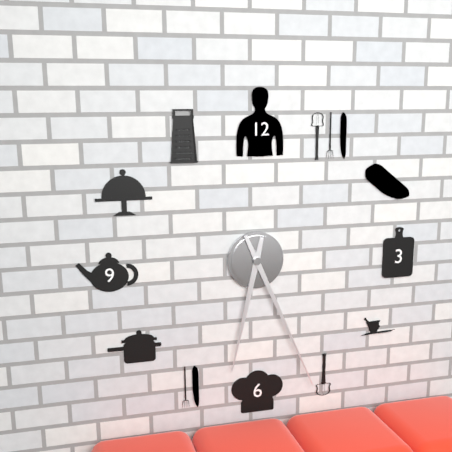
{"hour": 6, "minute": 26}
